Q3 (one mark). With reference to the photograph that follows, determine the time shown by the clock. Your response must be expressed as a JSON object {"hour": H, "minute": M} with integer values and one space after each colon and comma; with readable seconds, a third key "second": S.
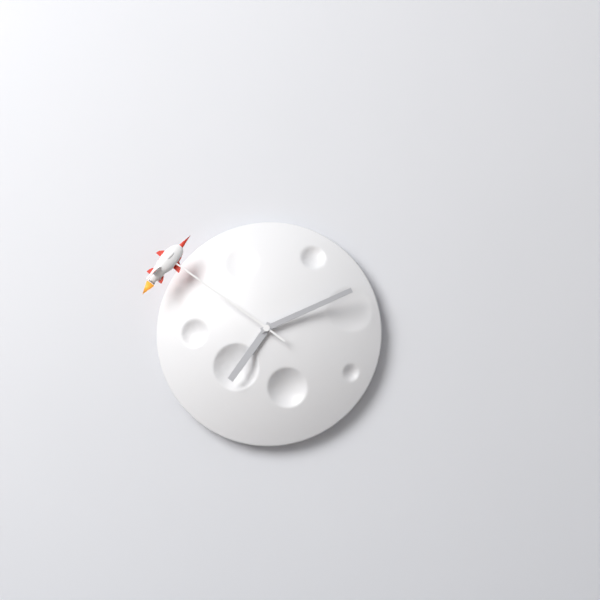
{"hour": 7, "minute": 11, "second": 51}
